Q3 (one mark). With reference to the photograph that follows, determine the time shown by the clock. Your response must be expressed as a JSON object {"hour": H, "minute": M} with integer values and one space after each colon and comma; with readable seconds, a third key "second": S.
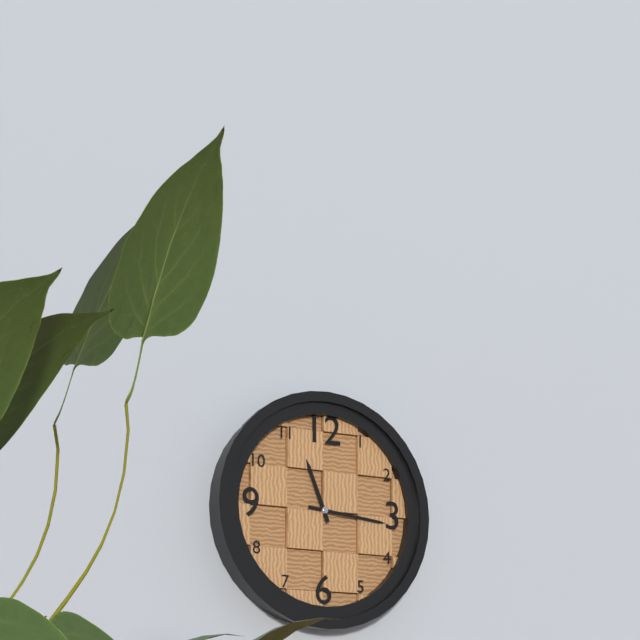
{"hour": 11, "minute": 16}
